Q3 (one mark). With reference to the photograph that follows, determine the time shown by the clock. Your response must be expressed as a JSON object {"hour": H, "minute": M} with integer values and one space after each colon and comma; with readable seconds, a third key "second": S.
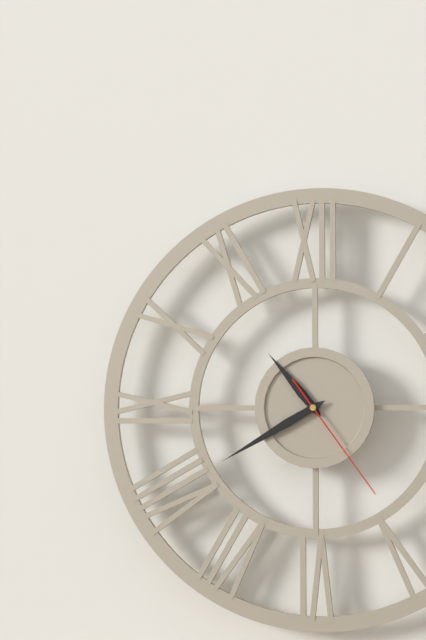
{"hour": 10, "minute": 40, "second": 24}
